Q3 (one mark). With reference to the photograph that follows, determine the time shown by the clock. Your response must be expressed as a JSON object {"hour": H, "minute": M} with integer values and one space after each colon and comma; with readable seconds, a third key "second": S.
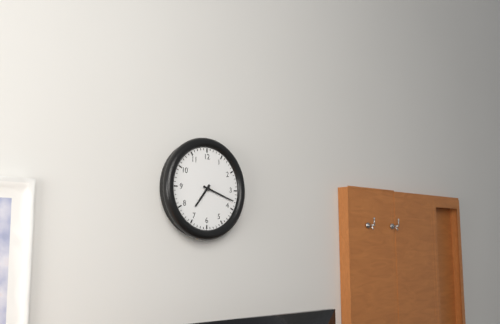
{"hour": 7, "minute": 18}
